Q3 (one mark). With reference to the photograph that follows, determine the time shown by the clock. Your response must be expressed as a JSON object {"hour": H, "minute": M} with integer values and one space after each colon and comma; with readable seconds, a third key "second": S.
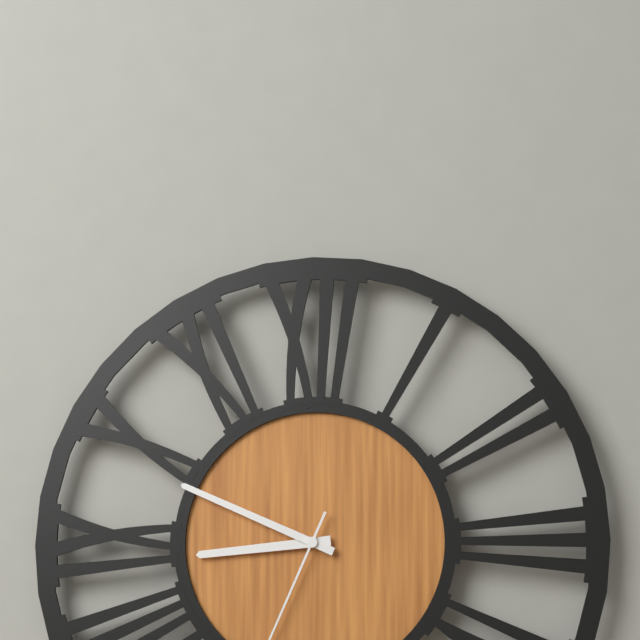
{"hour": 8, "minute": 49}
